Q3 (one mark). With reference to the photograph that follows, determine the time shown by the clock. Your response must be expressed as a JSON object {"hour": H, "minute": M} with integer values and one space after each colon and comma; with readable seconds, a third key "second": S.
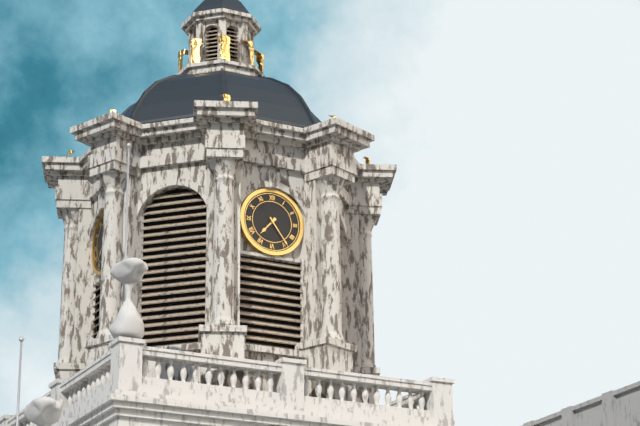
{"hour": 7, "minute": 24}
